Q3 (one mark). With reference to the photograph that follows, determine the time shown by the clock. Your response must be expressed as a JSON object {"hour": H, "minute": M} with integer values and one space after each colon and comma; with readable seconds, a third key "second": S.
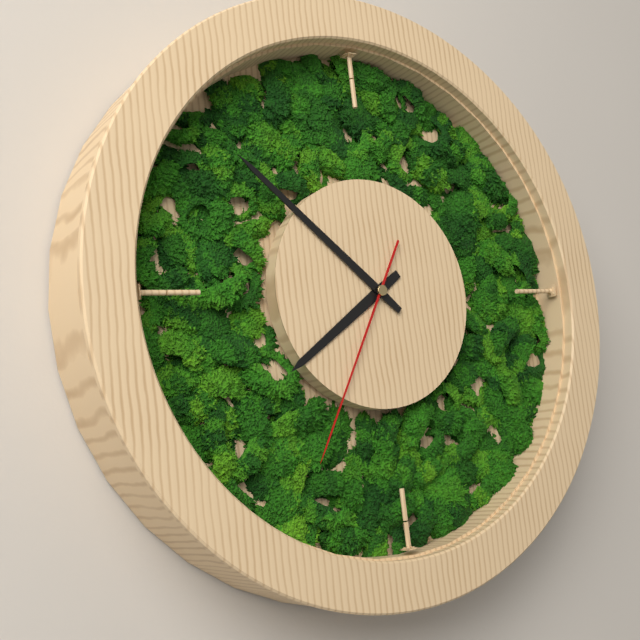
{"hour": 7, "minute": 52, "second": 35}
